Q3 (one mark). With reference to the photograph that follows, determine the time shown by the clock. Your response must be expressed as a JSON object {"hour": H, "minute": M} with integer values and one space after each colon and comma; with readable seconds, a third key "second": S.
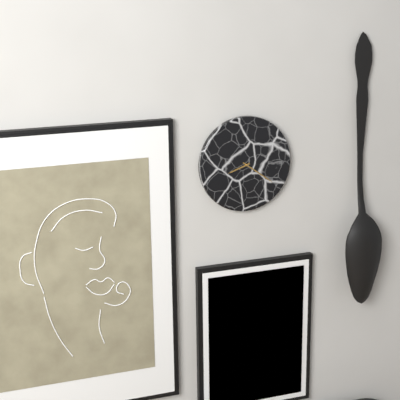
{"hour": 8, "minute": 21}
